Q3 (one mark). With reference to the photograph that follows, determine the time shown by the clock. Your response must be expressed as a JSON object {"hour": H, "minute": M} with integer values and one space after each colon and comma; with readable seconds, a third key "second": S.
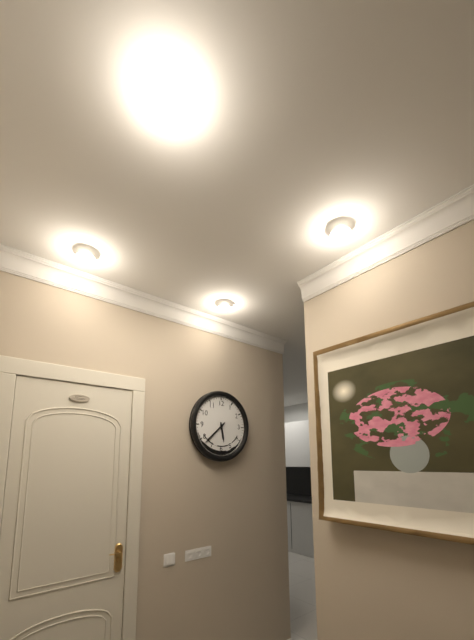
{"hour": 5, "minute": 38}
